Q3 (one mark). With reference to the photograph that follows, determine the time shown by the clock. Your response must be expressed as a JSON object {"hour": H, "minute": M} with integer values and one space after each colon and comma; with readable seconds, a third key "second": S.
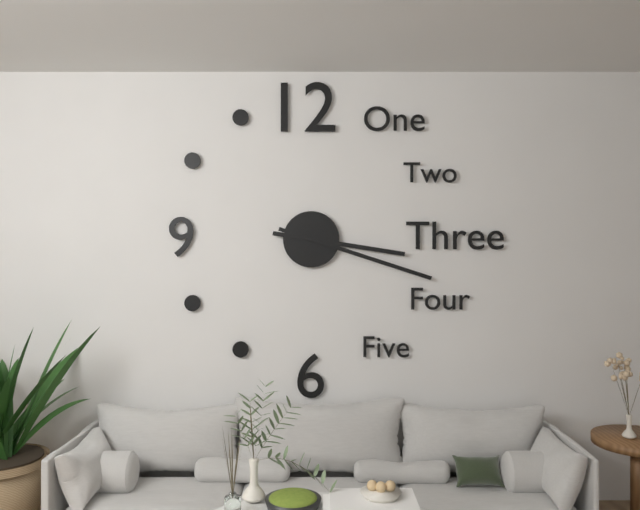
{"hour": 3, "minute": 18}
